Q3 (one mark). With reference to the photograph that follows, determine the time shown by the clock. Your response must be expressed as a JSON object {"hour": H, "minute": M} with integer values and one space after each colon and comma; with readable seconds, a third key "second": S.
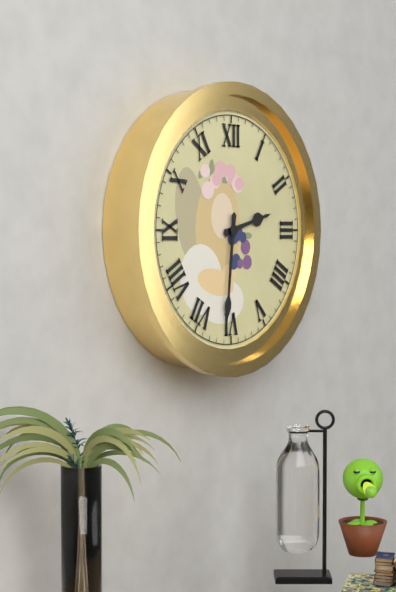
{"hour": 2, "minute": 31}
